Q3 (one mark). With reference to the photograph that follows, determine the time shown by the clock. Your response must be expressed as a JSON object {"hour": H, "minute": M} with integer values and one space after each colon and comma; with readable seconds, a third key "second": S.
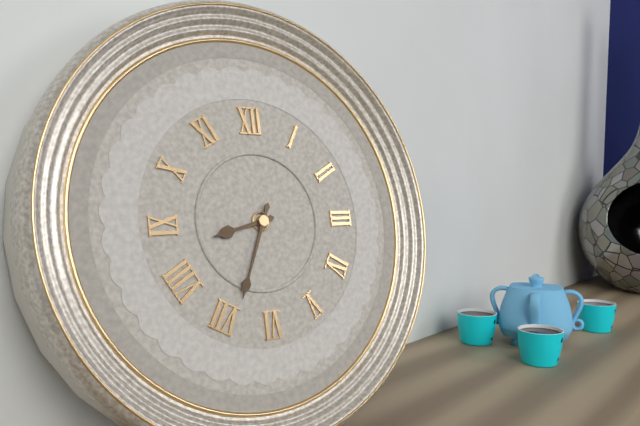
{"hour": 8, "minute": 34}
